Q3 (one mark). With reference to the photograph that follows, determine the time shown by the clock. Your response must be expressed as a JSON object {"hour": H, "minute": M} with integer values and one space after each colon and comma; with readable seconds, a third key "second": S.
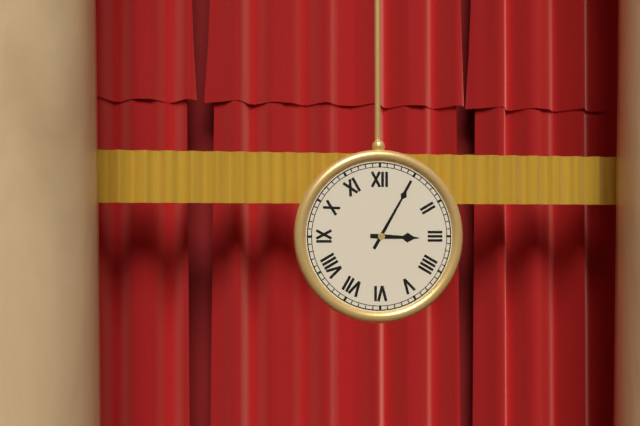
{"hour": 3, "minute": 5}
